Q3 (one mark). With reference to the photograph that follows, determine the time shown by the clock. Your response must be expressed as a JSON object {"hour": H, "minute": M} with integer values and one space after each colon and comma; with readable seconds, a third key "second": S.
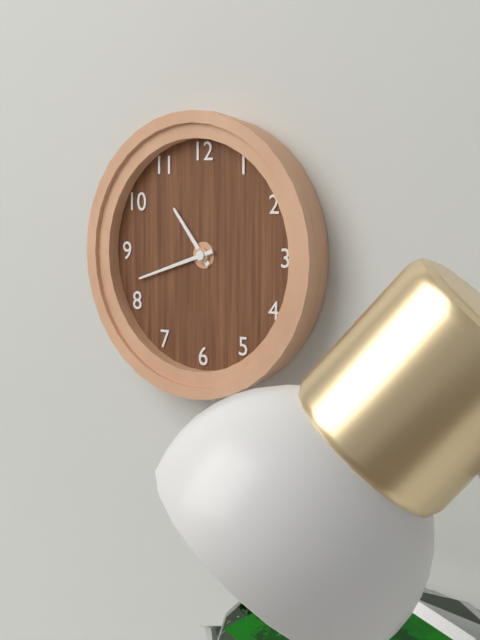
{"hour": 10, "minute": 42}
